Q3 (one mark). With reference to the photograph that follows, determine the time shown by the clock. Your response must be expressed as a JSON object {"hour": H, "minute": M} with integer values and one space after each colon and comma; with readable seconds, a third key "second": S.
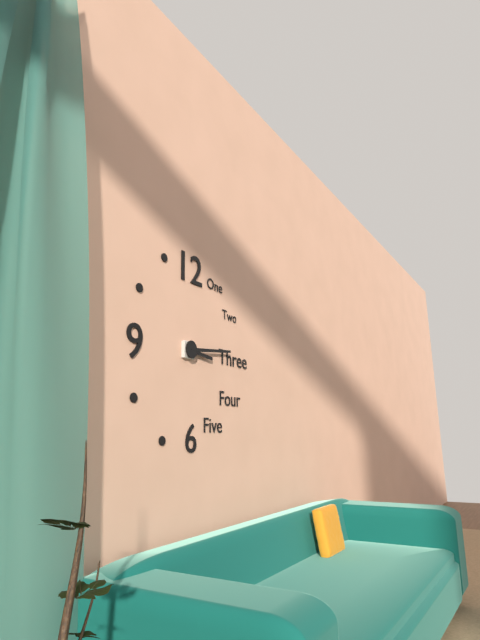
{"hour": 3, "minute": 14}
